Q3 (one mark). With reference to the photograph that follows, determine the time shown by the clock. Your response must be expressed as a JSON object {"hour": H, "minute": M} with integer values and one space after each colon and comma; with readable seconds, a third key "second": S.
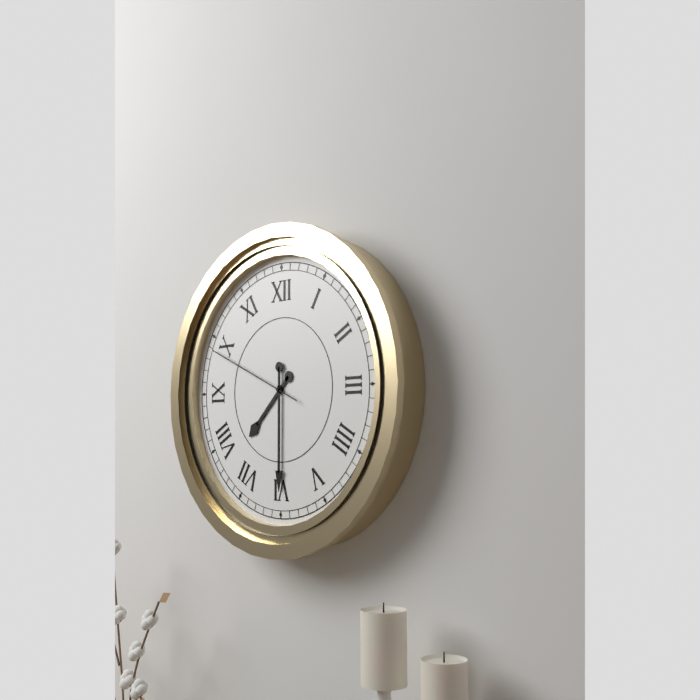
{"hour": 7, "minute": 30, "second": 49}
